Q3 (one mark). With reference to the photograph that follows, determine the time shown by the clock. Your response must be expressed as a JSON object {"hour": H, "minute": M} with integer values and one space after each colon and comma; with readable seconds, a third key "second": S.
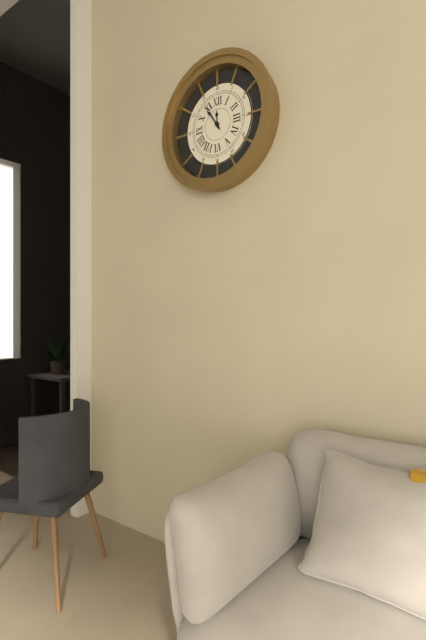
{"hour": 11, "minute": 54}
